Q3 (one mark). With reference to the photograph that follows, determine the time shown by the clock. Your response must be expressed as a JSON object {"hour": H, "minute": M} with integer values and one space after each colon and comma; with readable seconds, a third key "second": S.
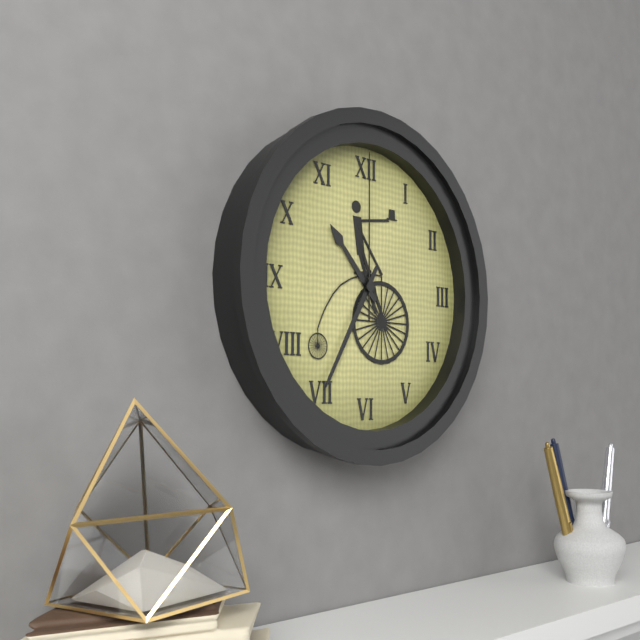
{"hour": 10, "minute": 35, "second": 0}
